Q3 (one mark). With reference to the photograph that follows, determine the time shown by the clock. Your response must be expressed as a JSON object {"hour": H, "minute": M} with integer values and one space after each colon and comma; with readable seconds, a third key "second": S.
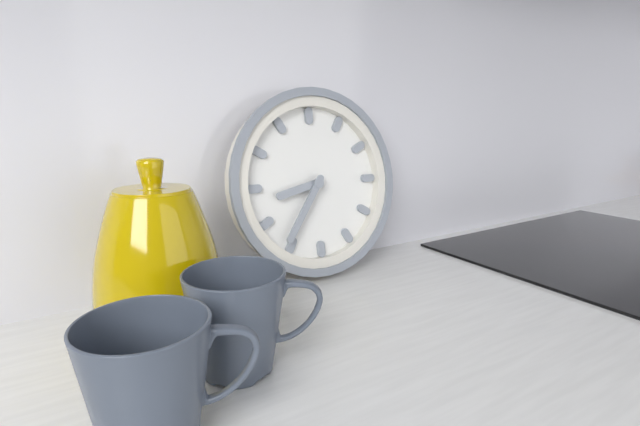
{"hour": 8, "minute": 36}
